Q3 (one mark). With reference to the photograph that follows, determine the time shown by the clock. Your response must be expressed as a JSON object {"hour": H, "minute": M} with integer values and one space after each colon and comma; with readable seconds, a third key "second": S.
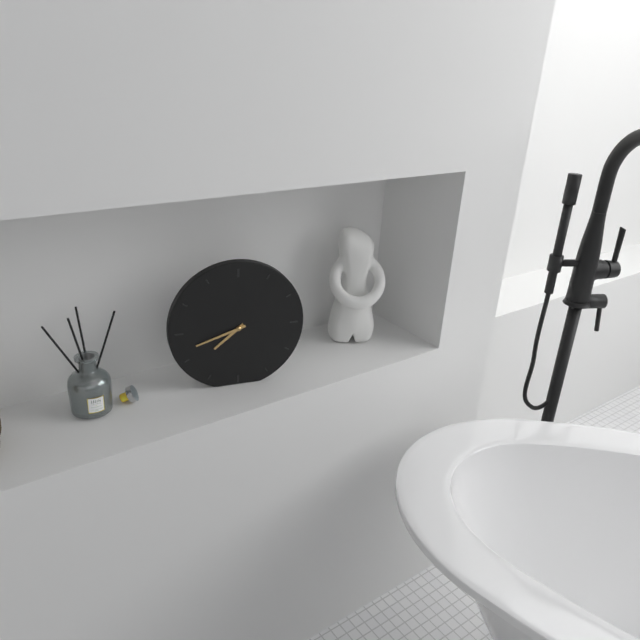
{"hour": 7, "minute": 42}
